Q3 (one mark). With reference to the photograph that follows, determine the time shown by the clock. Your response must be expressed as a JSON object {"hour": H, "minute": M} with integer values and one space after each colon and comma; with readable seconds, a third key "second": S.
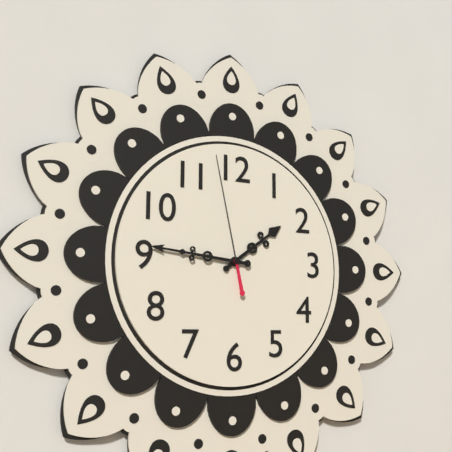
{"hour": 1, "minute": 46, "second": 58}
